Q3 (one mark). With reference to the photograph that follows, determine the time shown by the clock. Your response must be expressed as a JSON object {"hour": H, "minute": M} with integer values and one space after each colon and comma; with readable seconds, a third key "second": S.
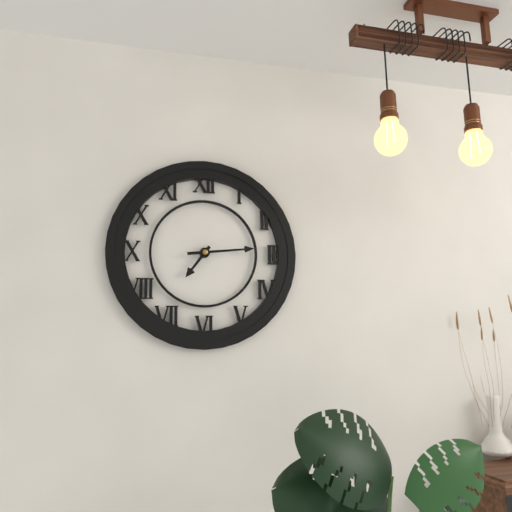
{"hour": 7, "minute": 14}
